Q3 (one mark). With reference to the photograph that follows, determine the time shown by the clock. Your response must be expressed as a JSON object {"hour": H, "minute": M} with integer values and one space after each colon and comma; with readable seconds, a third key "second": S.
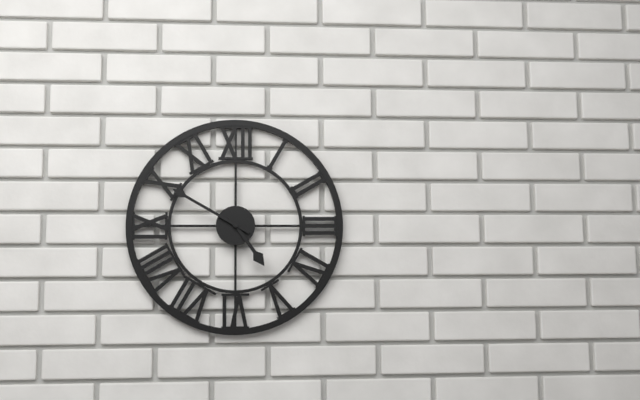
{"hour": 4, "minute": 50}
